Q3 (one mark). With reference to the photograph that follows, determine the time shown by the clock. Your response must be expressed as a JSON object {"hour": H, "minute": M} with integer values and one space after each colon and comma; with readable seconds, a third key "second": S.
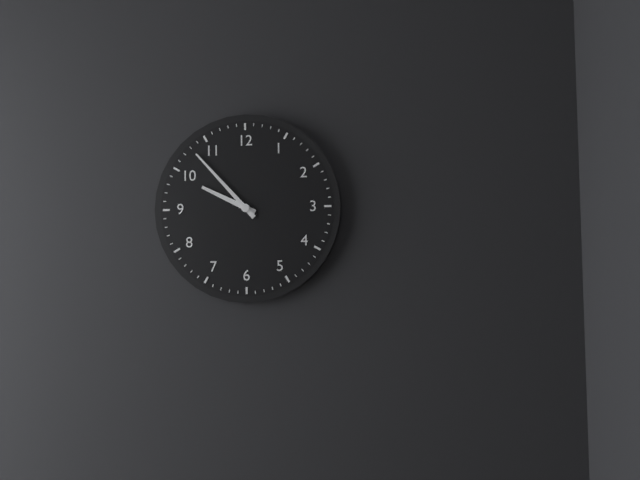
{"hour": 9, "minute": 53}
